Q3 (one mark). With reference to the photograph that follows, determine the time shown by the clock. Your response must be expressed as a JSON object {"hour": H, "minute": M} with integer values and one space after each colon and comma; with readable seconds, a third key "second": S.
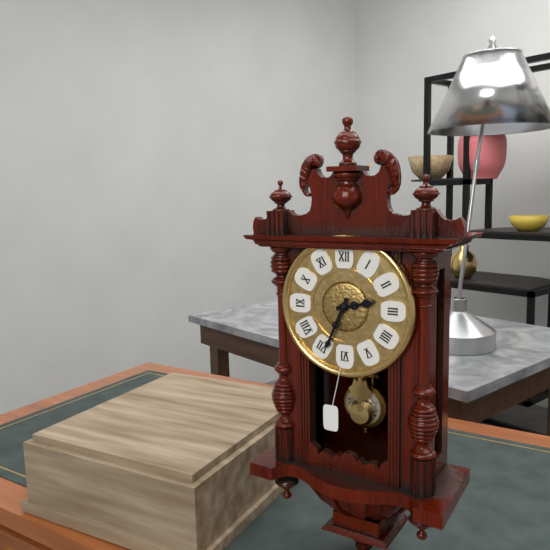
{"hour": 2, "minute": 34}
